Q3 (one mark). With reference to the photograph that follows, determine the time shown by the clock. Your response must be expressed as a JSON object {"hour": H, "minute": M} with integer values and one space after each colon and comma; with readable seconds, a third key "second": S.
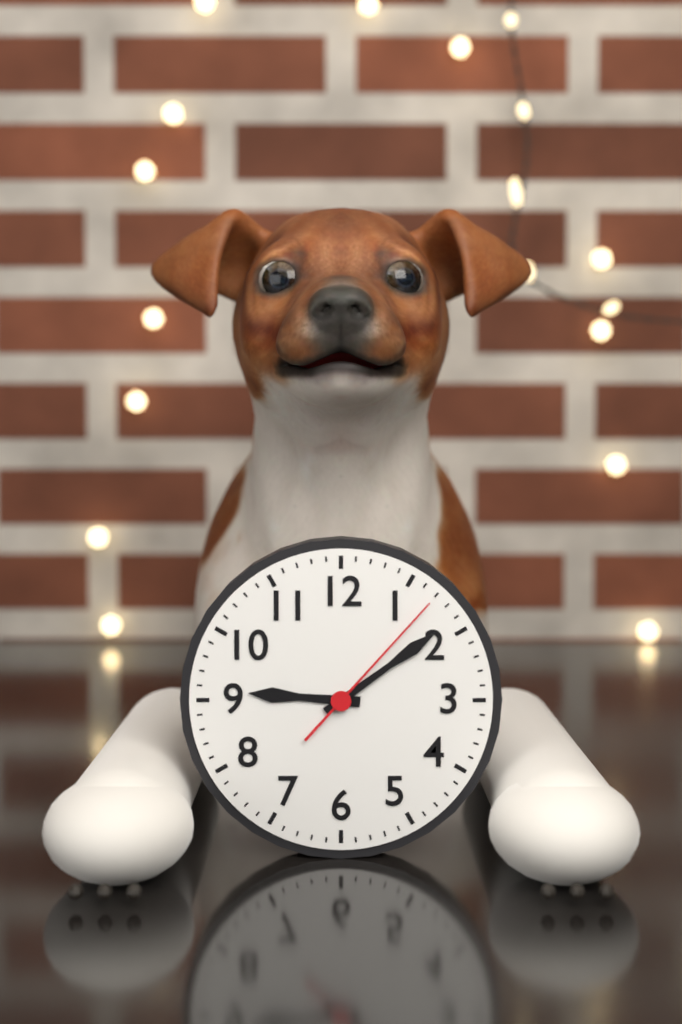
{"hour": 9, "minute": 9, "second": 7}
